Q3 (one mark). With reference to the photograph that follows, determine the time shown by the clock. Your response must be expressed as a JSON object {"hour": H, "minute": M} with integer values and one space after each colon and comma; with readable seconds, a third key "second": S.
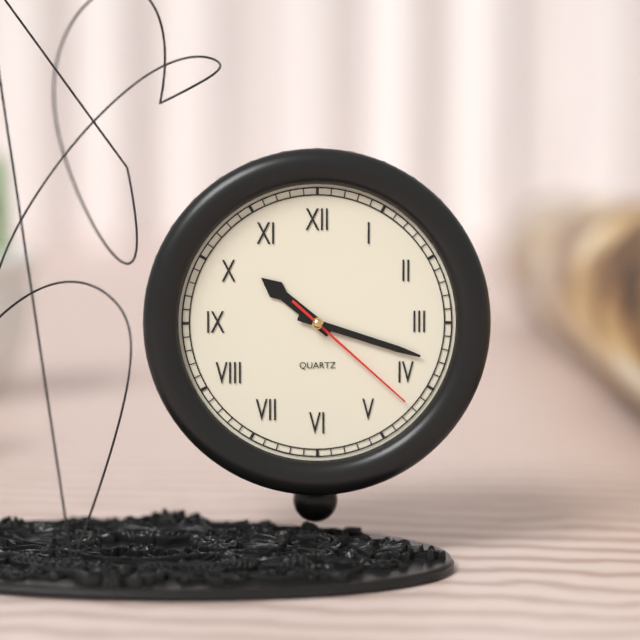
{"hour": 10, "minute": 18, "second": 22}
